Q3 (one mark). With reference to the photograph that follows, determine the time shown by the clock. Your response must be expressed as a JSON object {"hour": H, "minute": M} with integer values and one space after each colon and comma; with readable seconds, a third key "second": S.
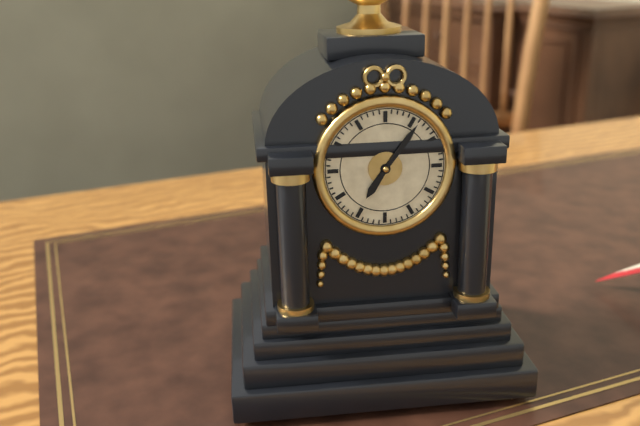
{"hour": 7, "minute": 6}
